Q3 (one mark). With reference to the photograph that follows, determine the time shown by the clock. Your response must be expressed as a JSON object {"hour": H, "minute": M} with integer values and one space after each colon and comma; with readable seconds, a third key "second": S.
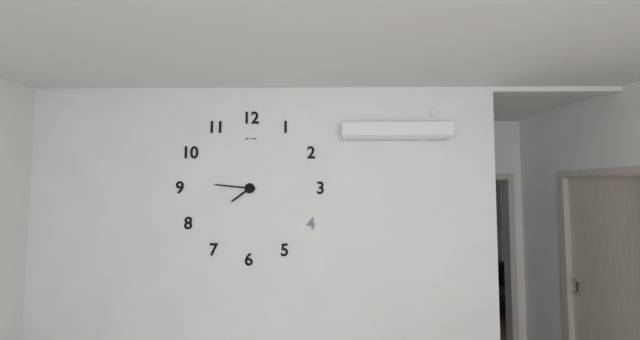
{"hour": 7, "minute": 46}
